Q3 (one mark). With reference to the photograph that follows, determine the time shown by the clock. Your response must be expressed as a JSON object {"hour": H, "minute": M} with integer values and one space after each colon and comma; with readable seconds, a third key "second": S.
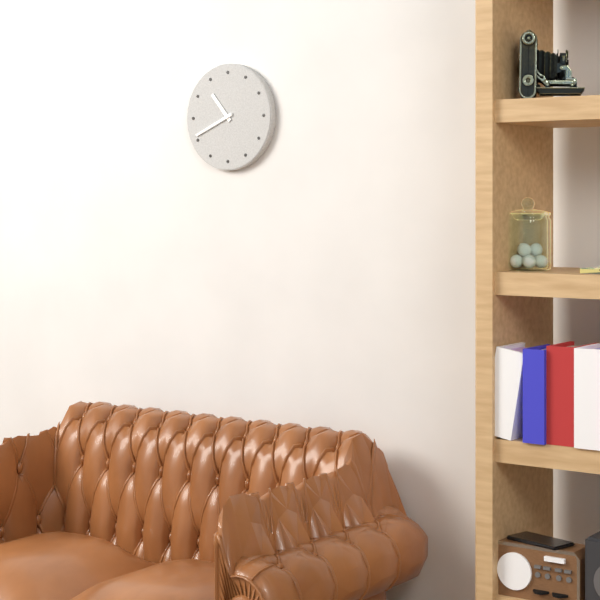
{"hour": 10, "minute": 41}
